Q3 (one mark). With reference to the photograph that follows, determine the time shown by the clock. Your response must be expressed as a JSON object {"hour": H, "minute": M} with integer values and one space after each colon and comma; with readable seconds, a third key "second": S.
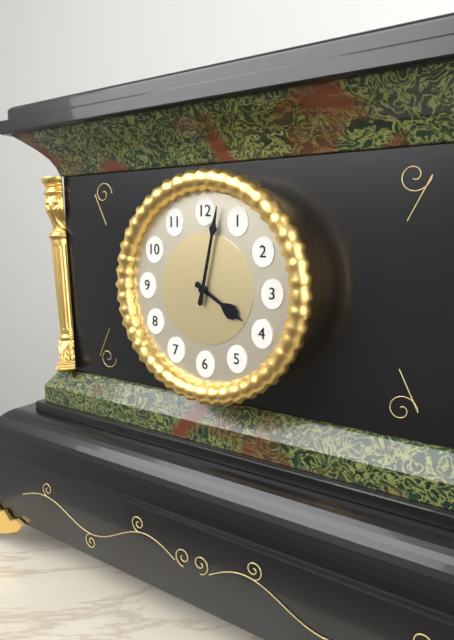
{"hour": 4, "minute": 2}
